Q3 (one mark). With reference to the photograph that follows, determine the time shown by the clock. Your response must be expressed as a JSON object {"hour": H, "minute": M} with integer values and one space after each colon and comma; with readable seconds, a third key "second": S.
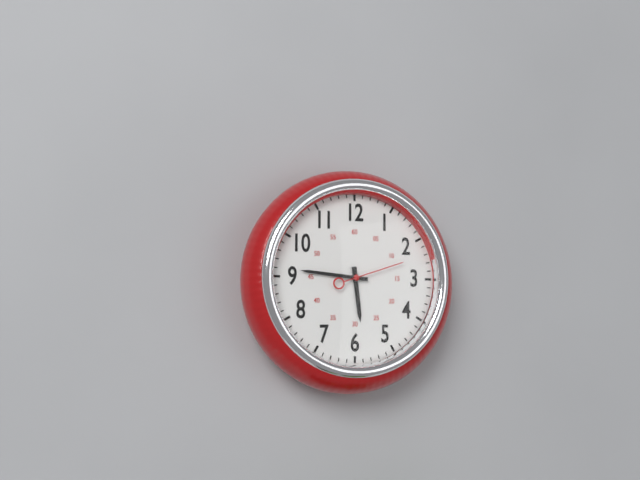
{"hour": 5, "minute": 46, "second": 12}
